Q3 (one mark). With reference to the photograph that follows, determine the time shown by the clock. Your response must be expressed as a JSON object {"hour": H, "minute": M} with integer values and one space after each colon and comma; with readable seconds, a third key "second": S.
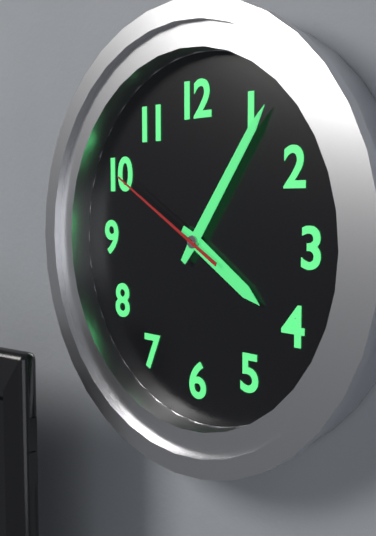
{"hour": 4, "minute": 6, "second": 50}
